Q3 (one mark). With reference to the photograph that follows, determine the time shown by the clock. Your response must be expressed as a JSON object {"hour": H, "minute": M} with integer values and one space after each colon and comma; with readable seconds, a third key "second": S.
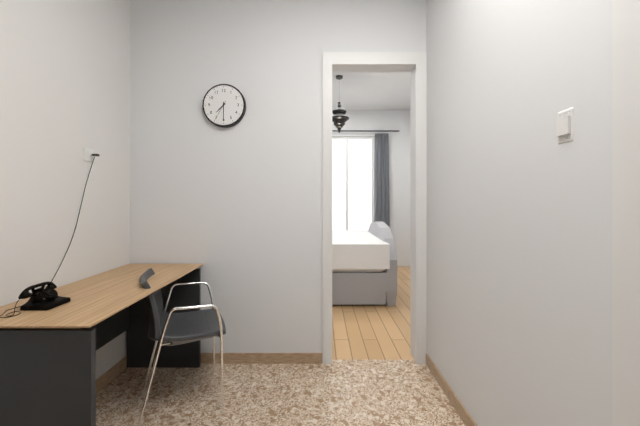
{"hour": 7, "minute": 30}
